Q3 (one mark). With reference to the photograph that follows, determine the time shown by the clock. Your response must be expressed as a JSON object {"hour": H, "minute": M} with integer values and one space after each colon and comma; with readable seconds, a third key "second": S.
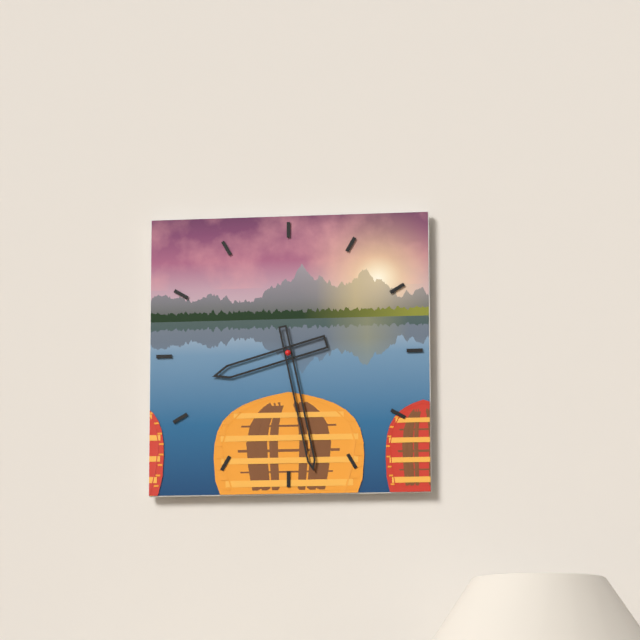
{"hour": 8, "minute": 28}
